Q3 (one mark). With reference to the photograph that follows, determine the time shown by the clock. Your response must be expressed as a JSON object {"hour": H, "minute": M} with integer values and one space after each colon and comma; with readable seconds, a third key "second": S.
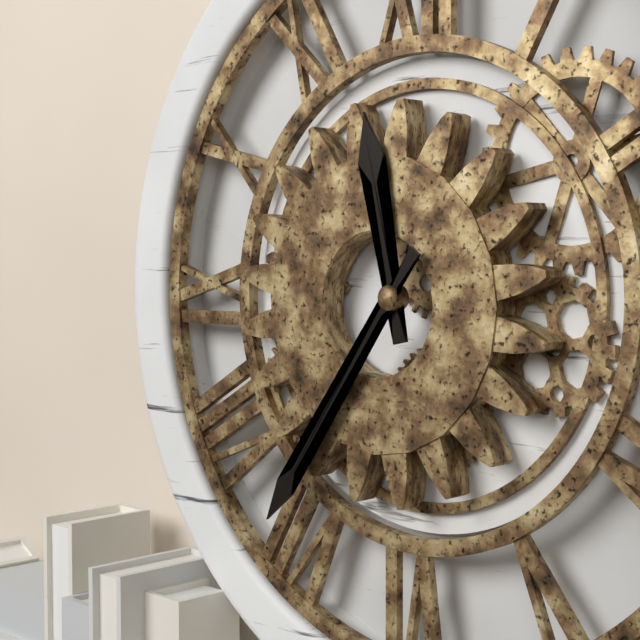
{"hour": 11, "minute": 36}
